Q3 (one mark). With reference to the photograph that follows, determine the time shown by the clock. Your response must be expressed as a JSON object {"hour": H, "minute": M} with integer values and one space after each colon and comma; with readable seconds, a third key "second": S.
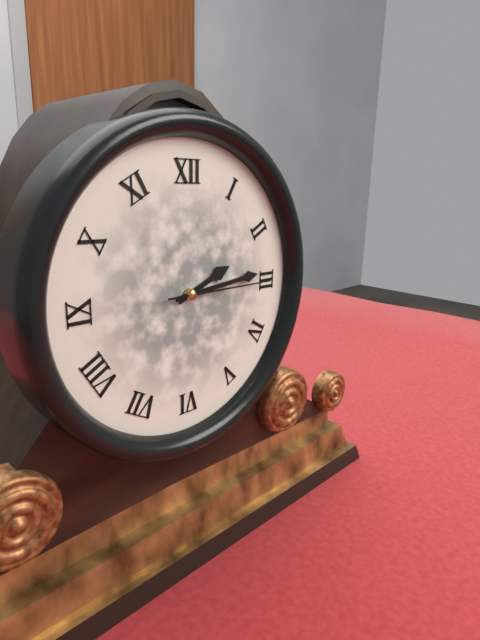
{"hour": 2, "minute": 14, "second": 15}
